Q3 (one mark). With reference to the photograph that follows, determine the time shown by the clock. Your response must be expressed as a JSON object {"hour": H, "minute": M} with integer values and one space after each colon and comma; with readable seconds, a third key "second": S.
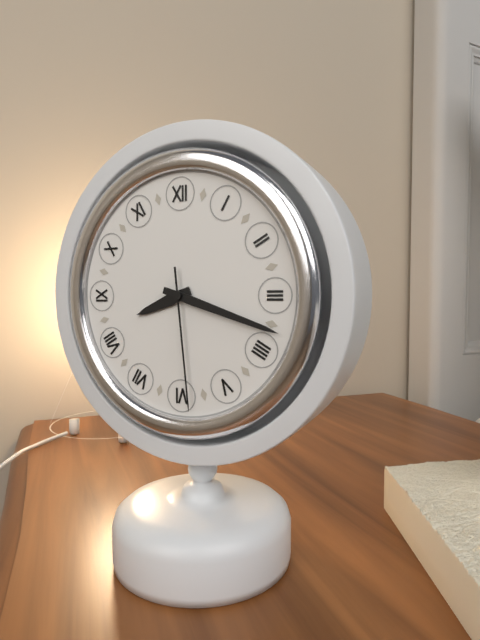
{"hour": 8, "minute": 18, "second": 29}
